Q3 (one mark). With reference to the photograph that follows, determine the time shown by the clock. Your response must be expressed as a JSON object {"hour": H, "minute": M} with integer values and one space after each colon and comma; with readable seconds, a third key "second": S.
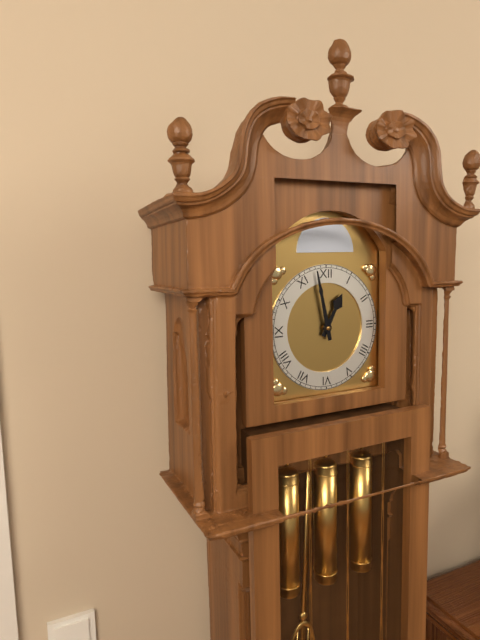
{"hour": 12, "minute": 58}
